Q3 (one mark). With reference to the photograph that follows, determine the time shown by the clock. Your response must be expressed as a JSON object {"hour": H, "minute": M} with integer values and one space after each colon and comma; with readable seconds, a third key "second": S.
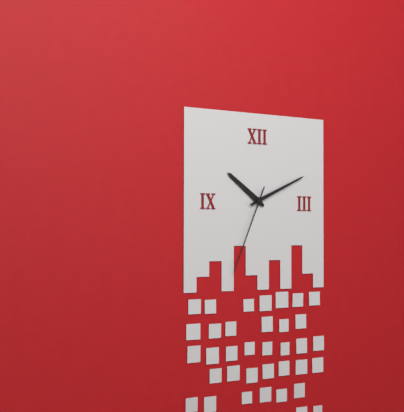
{"hour": 10, "minute": 11, "second": 34}
